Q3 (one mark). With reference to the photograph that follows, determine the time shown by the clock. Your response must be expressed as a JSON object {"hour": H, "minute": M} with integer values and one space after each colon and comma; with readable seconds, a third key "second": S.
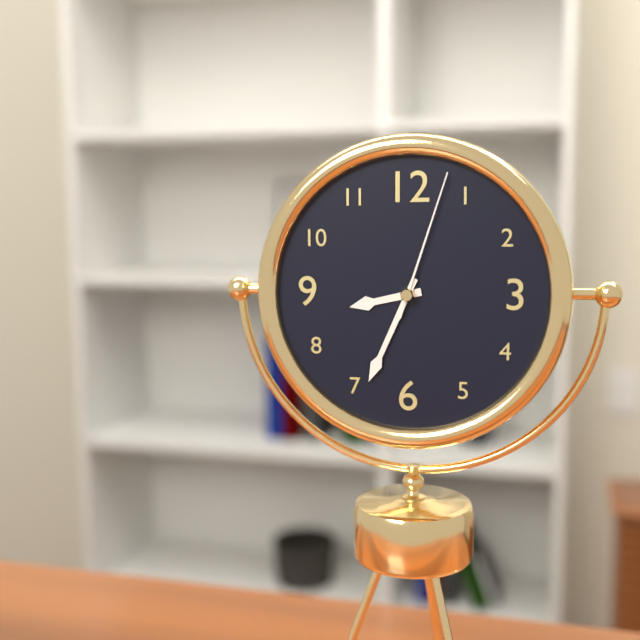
{"hour": 8, "minute": 34, "second": 3}
